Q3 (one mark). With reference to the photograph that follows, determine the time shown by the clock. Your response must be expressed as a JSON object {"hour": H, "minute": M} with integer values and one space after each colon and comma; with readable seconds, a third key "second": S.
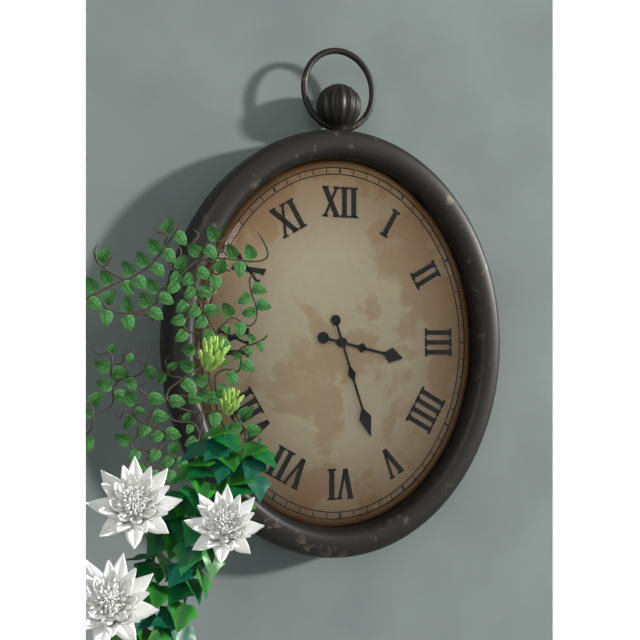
{"hour": 3, "minute": 27}
